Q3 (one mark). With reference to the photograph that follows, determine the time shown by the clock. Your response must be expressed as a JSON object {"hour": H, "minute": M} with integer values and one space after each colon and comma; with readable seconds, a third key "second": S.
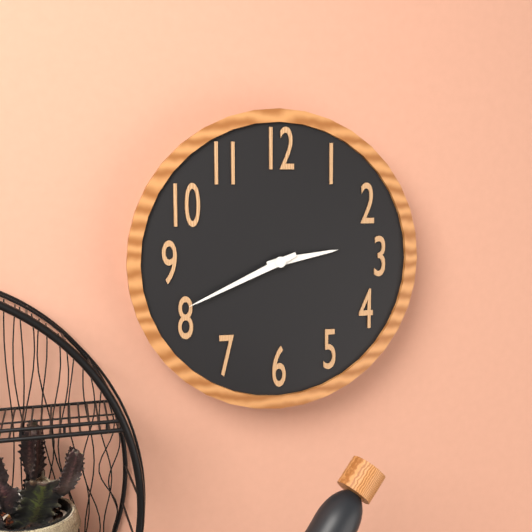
{"hour": 2, "minute": 41}
